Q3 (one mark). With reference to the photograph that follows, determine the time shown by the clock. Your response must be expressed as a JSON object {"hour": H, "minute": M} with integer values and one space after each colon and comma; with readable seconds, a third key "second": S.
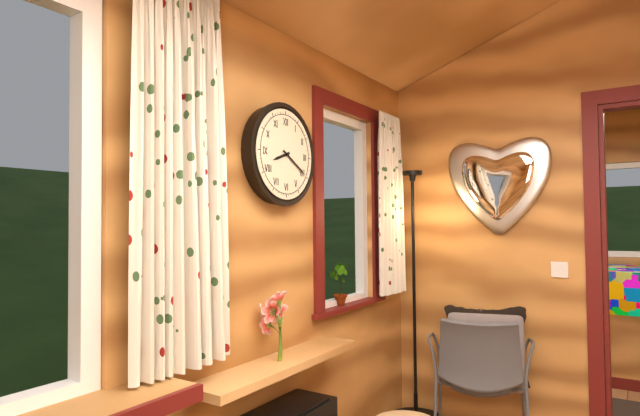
{"hour": 8, "minute": 20}
